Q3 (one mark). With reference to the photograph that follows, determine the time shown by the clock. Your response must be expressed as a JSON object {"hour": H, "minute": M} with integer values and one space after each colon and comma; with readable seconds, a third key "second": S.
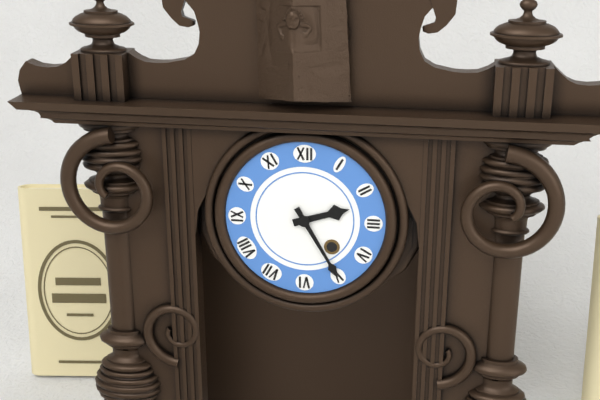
{"hour": 2, "minute": 25}
